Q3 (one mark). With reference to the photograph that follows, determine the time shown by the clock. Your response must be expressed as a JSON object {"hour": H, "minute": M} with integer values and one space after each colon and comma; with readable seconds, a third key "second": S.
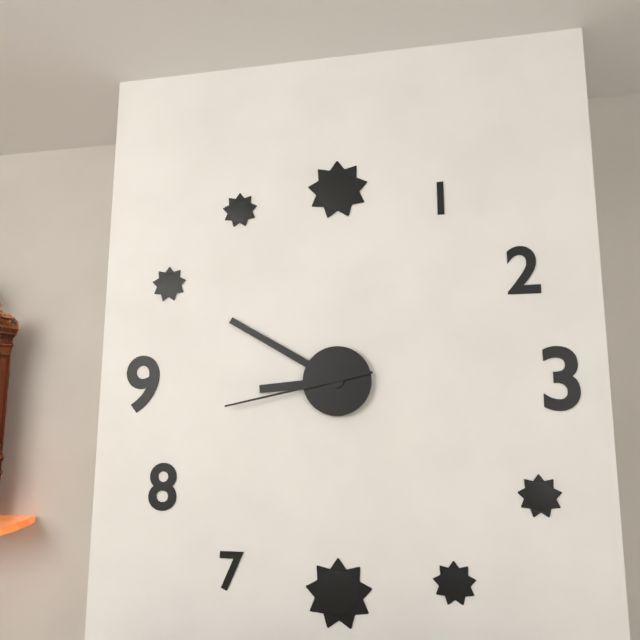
{"hour": 8, "minute": 50, "second": 43}
